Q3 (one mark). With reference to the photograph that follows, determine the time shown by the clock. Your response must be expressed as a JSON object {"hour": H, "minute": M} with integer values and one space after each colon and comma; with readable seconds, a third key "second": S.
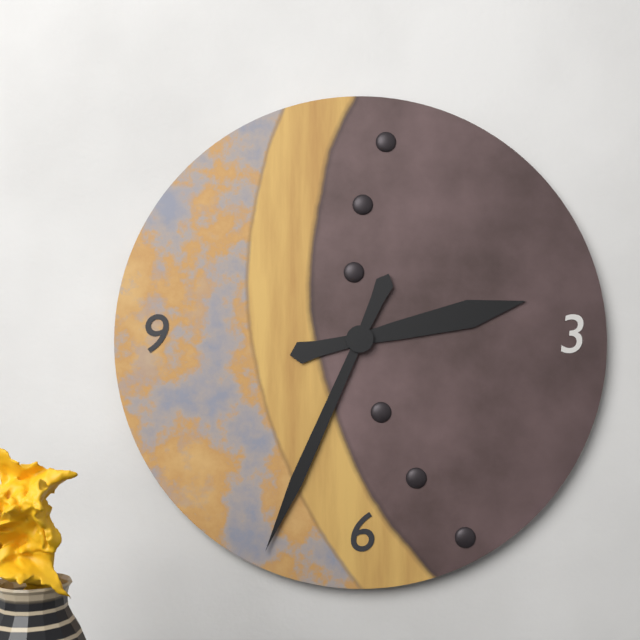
{"hour": 2, "minute": 34}
